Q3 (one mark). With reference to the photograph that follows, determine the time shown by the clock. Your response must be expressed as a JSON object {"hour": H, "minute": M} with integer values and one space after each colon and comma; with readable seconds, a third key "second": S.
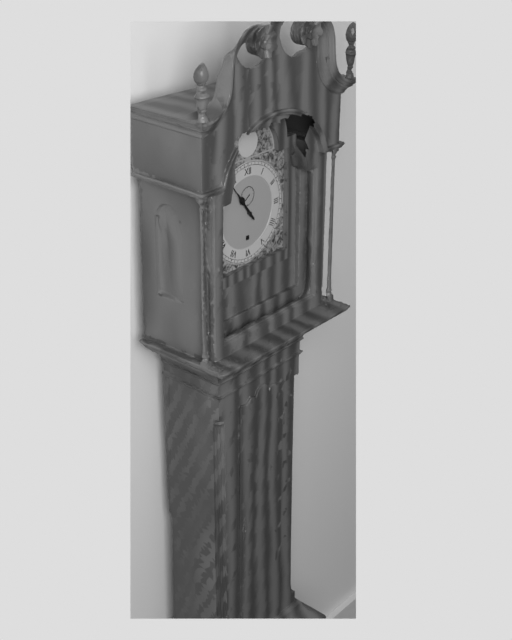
{"hour": 10, "minute": 54}
